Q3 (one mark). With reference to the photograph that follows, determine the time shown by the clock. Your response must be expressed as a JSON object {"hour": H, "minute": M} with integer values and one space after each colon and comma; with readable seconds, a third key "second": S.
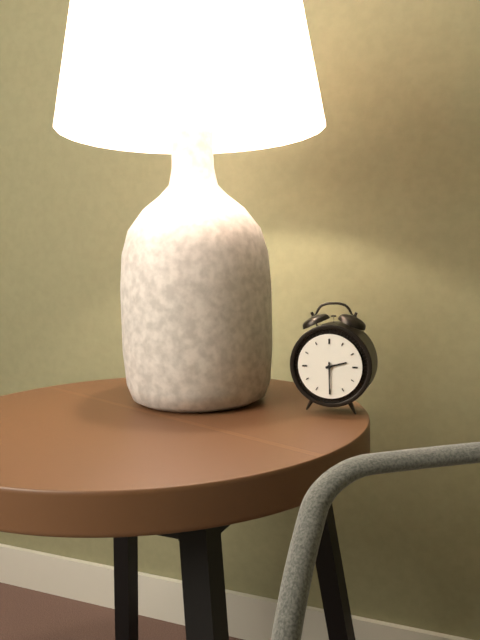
{"hour": 2, "minute": 30}
